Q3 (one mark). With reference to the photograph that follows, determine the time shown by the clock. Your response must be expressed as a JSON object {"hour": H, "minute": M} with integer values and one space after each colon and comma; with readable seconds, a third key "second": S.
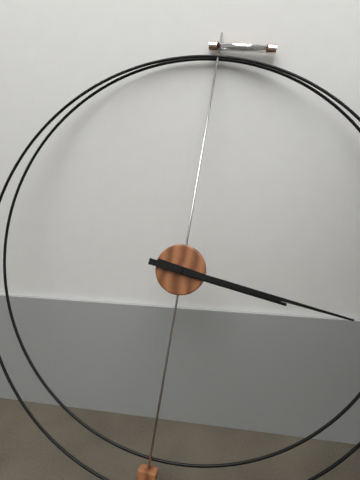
{"hour": 3, "minute": 16}
